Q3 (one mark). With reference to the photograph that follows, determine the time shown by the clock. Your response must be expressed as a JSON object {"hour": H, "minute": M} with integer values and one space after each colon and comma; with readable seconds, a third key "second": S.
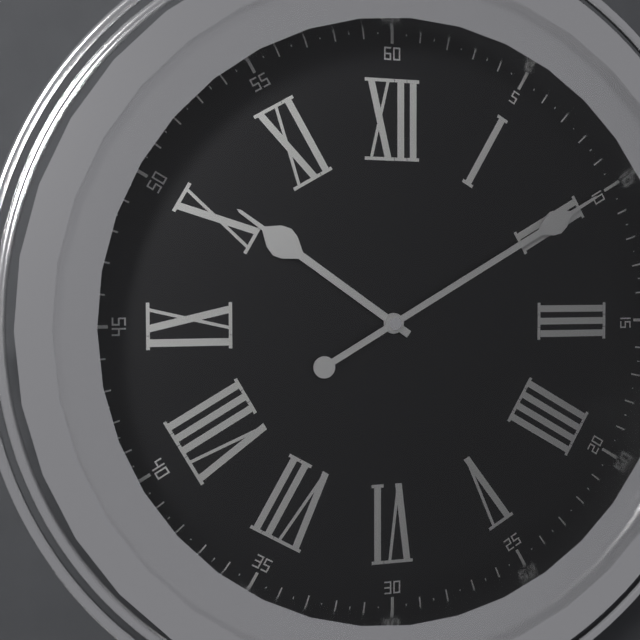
{"hour": 10, "minute": 10}
